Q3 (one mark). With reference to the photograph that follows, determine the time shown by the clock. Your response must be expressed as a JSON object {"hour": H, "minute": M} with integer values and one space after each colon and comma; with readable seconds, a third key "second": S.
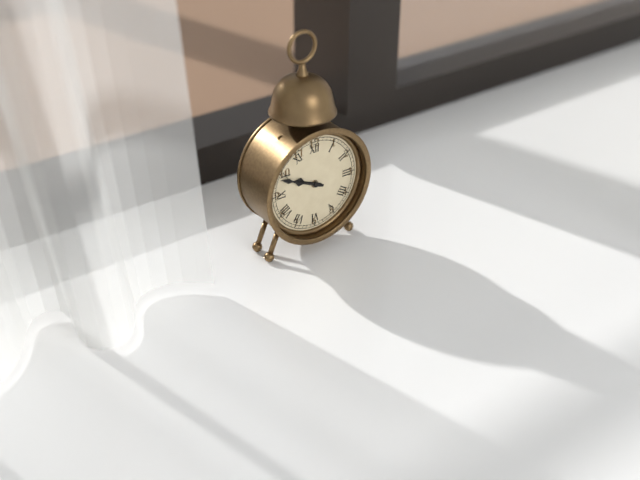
{"hour": 9, "minute": 49}
